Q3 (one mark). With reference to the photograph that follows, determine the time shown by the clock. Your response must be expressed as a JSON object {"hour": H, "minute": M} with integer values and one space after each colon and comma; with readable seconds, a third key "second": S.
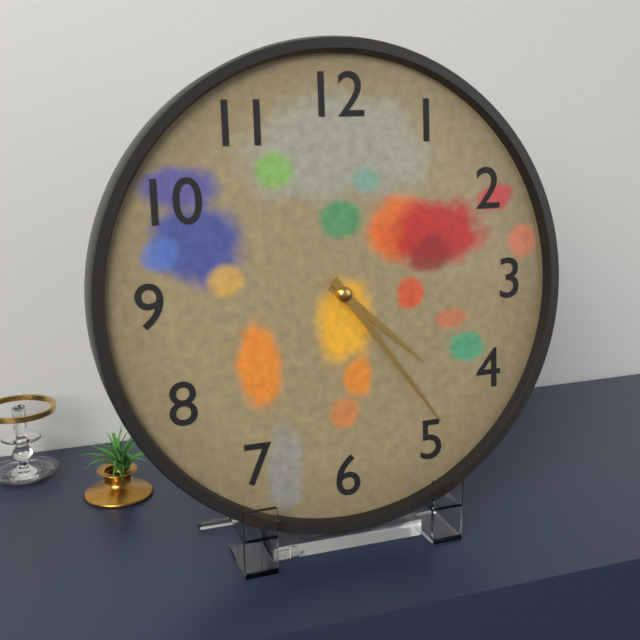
{"hour": 4, "minute": 24}
